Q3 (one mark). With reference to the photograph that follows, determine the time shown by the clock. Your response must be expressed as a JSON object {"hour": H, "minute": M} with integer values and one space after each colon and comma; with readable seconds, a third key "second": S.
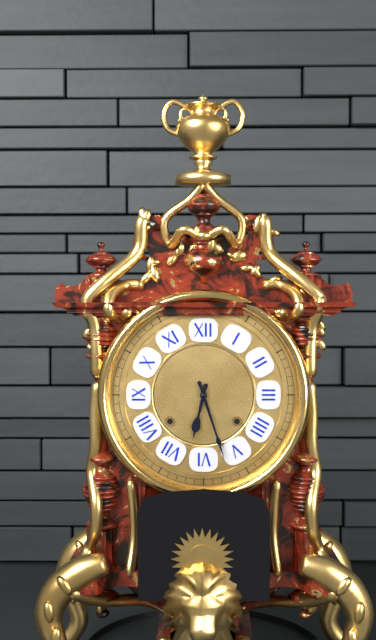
{"hour": 6, "minute": 27}
